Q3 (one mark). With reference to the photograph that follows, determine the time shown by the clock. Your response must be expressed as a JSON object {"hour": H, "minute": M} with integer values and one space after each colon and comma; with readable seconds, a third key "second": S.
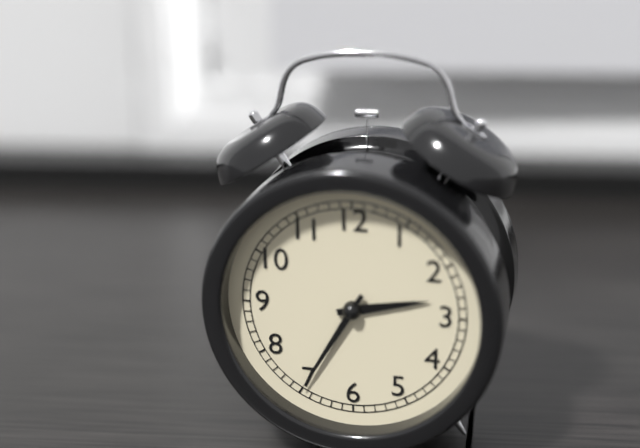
{"hour": 2, "minute": 35}
